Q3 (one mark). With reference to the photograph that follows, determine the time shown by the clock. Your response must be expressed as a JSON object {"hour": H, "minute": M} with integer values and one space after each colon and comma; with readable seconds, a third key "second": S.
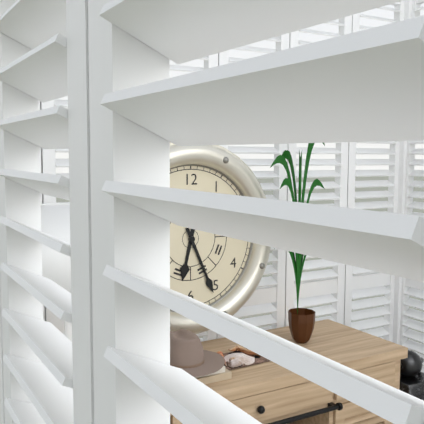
{"hour": 6, "minute": 26}
